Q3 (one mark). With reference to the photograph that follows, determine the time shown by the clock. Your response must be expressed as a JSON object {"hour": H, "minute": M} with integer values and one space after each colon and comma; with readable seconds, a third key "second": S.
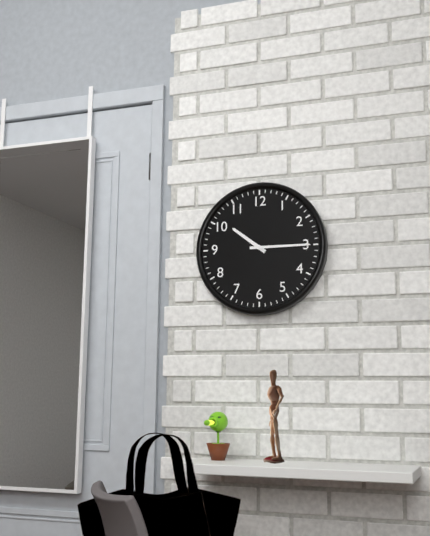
{"hour": 10, "minute": 15}
